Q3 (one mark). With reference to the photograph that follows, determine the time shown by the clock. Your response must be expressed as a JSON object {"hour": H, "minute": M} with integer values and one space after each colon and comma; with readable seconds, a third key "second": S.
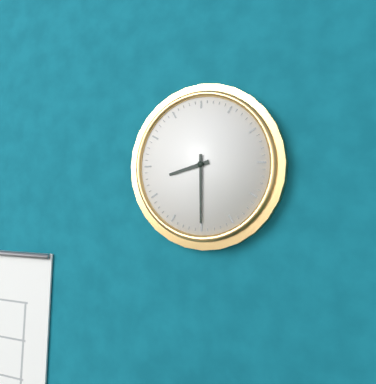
{"hour": 8, "minute": 30}
